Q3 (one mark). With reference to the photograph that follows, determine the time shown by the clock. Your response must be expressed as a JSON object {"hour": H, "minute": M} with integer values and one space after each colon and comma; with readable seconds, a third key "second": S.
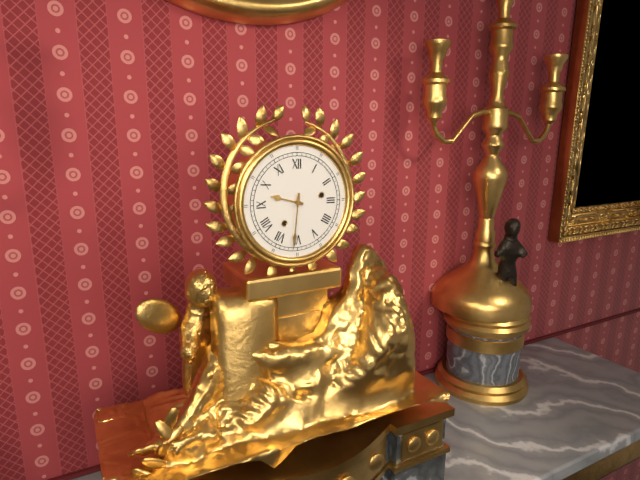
{"hour": 9, "minute": 31}
